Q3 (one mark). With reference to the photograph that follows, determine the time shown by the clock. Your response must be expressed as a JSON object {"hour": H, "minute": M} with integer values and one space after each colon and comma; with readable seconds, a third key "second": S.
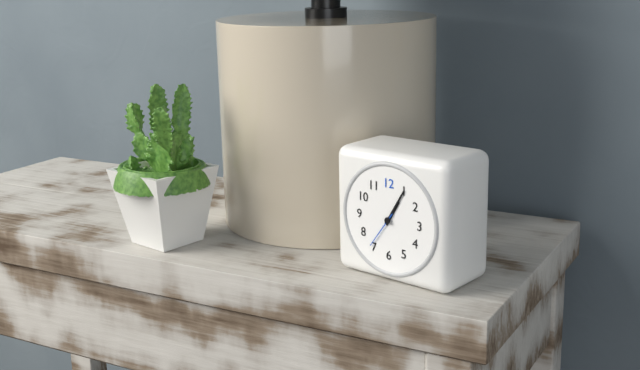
{"hour": 1, "minute": 5}
